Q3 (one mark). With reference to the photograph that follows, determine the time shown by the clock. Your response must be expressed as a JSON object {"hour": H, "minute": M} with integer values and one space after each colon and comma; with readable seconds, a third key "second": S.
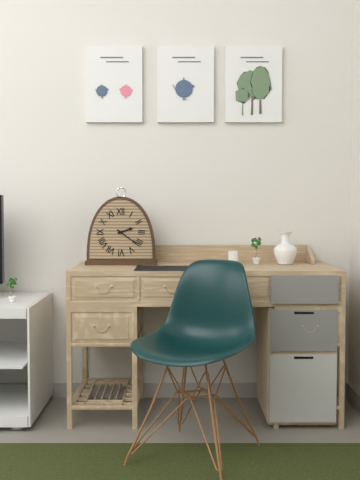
{"hour": 2, "minute": 21}
